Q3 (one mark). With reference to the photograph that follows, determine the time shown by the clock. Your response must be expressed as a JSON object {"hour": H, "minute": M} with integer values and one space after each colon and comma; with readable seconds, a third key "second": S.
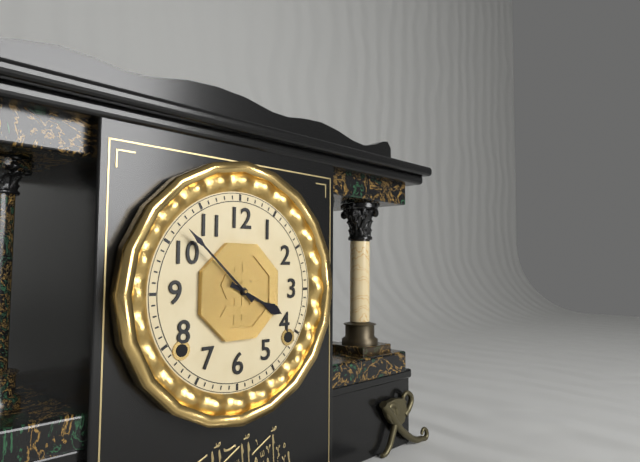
{"hour": 3, "minute": 52}
